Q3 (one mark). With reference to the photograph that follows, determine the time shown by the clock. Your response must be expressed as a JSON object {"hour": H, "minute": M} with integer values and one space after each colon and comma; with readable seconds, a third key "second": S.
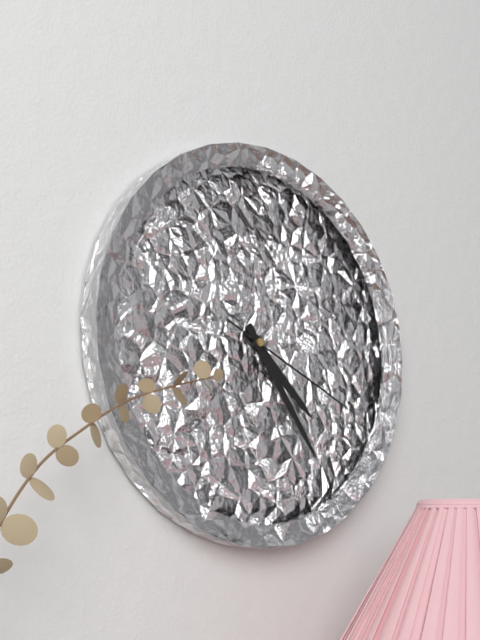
{"hour": 4, "minute": 24, "second": 19}
